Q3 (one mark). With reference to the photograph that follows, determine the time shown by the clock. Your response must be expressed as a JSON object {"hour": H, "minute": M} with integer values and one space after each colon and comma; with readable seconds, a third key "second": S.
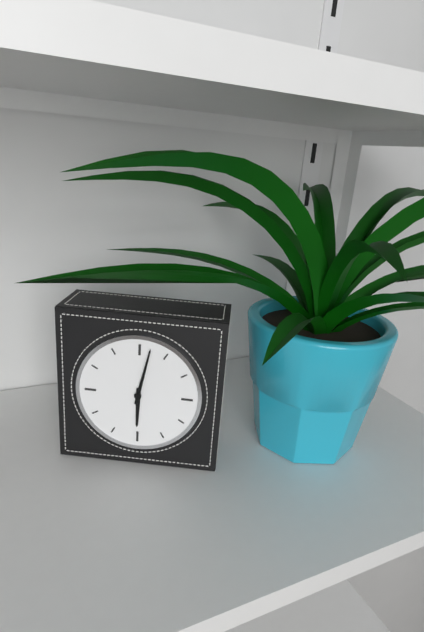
{"hour": 6, "minute": 2}
